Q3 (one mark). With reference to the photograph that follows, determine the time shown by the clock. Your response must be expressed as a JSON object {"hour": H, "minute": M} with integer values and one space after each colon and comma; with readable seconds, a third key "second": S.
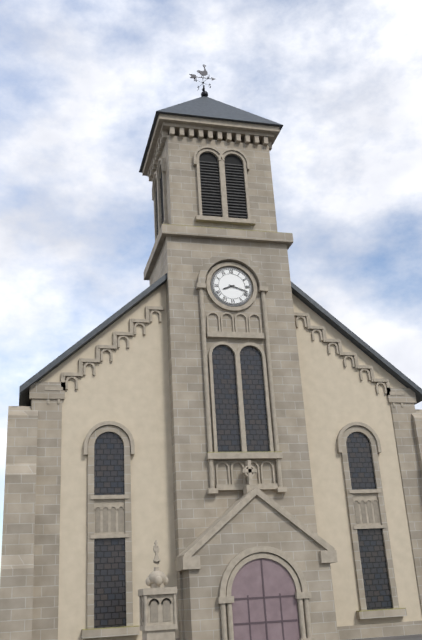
{"hour": 8, "minute": 18}
